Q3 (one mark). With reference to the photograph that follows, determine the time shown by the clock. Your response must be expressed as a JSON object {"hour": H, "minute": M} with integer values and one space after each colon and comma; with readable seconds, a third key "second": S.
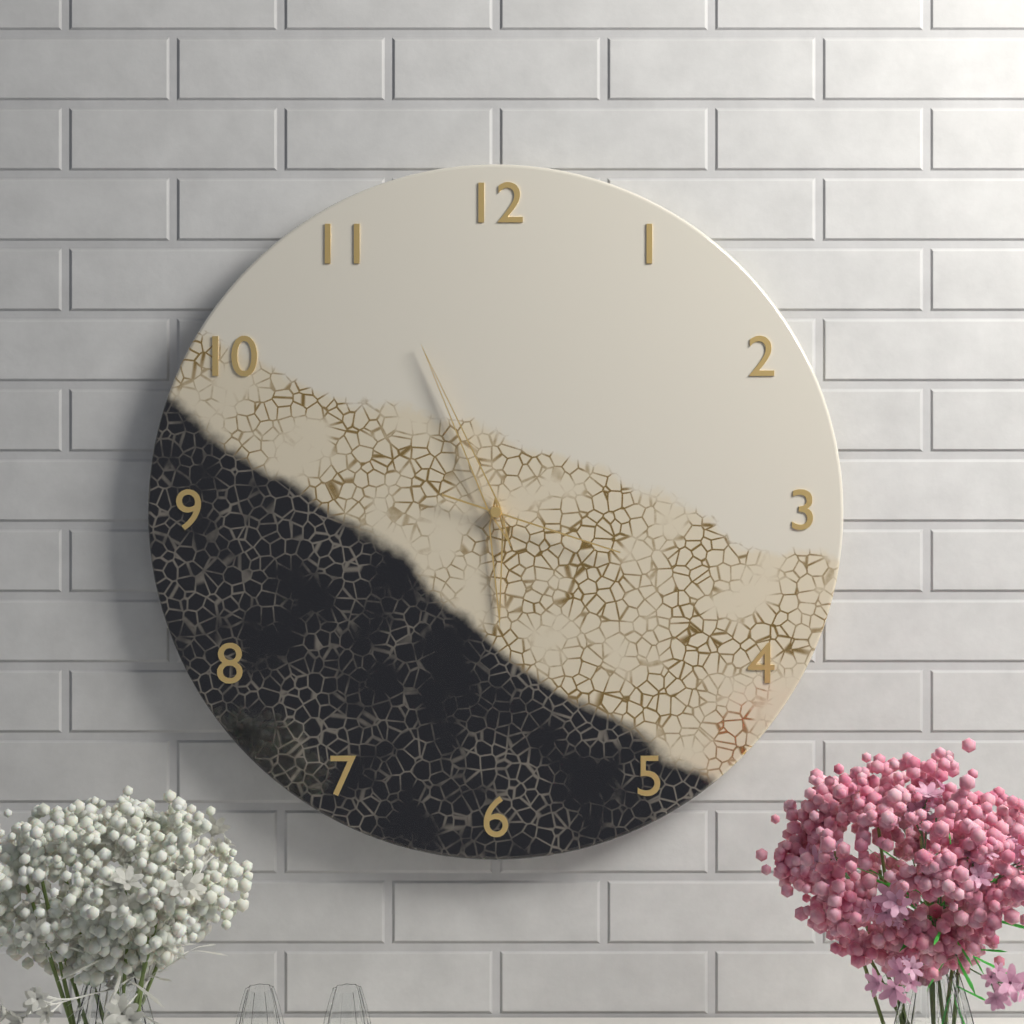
{"hour": 5, "minute": 56, "second": 18}
